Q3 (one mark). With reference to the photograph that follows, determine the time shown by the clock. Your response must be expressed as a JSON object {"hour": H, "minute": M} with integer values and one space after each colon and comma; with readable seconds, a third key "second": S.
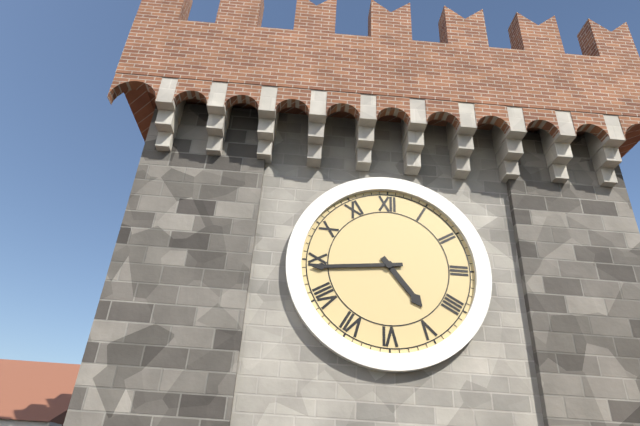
{"hour": 4, "minute": 44}
